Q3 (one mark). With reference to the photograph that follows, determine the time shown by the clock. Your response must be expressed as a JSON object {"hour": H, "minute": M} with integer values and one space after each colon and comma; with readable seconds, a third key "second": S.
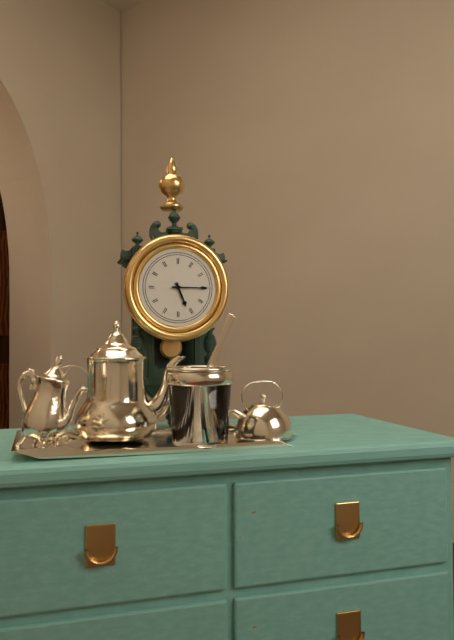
{"hour": 5, "minute": 15}
